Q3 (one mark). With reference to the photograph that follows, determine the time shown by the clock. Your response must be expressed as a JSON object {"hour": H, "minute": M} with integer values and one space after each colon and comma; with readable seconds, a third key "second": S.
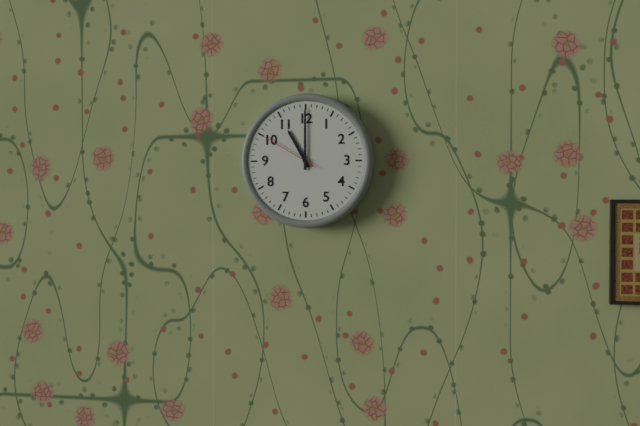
{"hour": 11, "minute": 0, "second": 50}
